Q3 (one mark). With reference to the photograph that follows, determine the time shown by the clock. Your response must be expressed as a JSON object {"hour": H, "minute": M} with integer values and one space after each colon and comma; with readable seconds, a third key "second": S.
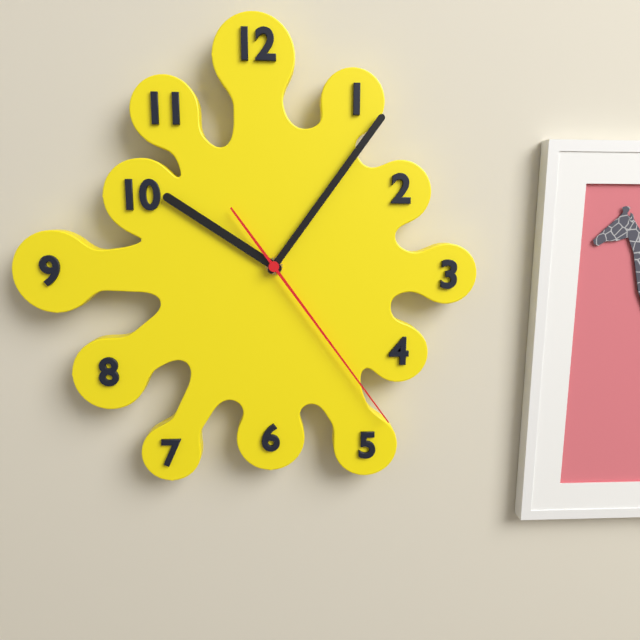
{"hour": 10, "minute": 6, "second": 24}
